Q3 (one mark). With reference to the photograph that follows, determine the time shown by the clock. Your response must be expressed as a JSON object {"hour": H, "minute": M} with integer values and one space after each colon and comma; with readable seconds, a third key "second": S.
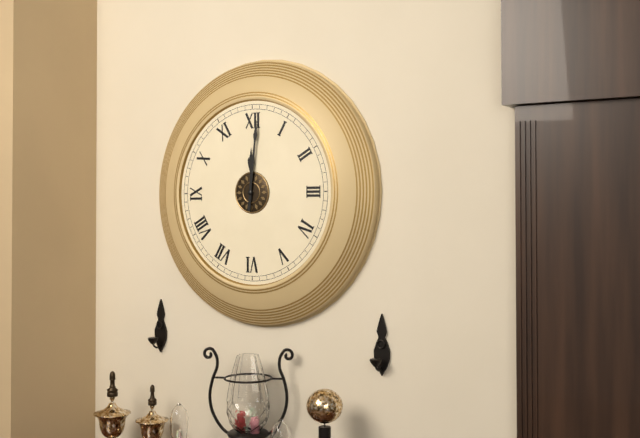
{"hour": 12, "minute": 1}
